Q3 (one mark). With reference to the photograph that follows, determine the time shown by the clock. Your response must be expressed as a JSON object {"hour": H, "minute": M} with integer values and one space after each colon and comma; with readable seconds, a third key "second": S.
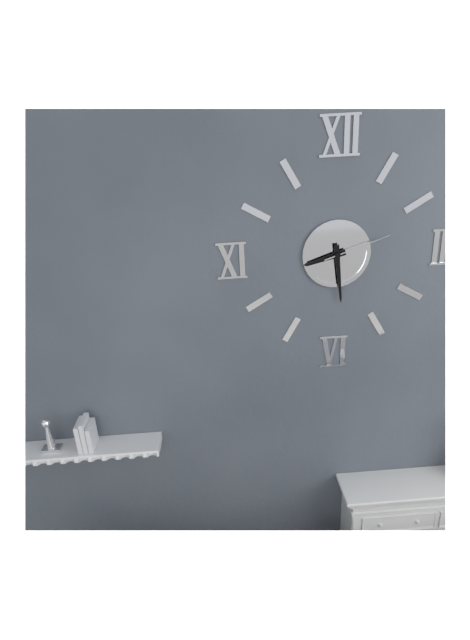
{"hour": 8, "minute": 29, "second": 12}
